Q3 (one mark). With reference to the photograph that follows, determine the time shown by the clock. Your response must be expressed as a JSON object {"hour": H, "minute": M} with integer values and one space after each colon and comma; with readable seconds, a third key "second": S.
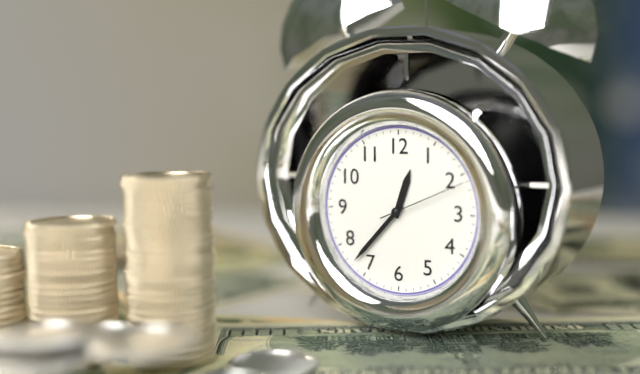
{"hour": 12, "minute": 37, "second": 11}
